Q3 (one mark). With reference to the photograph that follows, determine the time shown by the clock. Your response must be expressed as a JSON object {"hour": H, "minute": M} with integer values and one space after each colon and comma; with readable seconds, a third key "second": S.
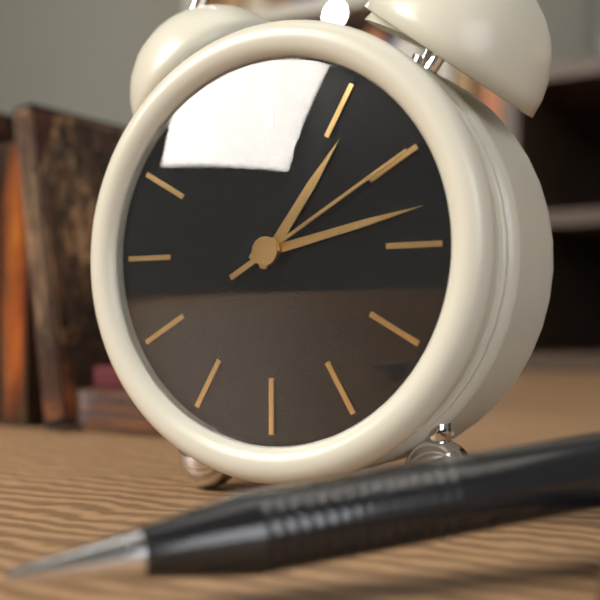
{"hour": 1, "minute": 13, "second": 10}
